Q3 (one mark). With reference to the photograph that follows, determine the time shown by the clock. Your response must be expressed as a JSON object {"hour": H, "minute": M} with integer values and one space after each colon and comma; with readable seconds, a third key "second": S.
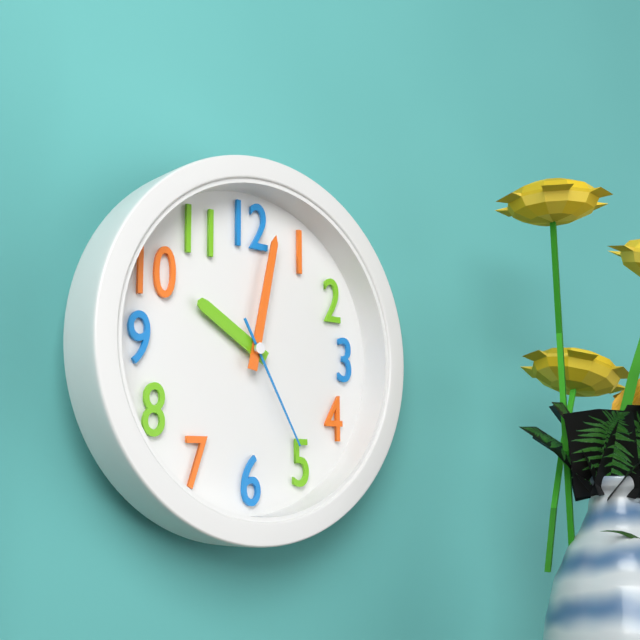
{"hour": 10, "minute": 2, "second": 25}
